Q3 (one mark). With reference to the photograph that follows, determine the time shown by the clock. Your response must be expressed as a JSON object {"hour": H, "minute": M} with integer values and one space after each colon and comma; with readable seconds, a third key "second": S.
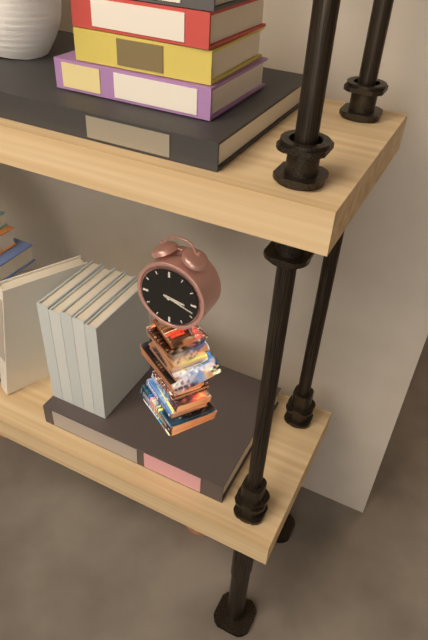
{"hour": 3, "minute": 18}
